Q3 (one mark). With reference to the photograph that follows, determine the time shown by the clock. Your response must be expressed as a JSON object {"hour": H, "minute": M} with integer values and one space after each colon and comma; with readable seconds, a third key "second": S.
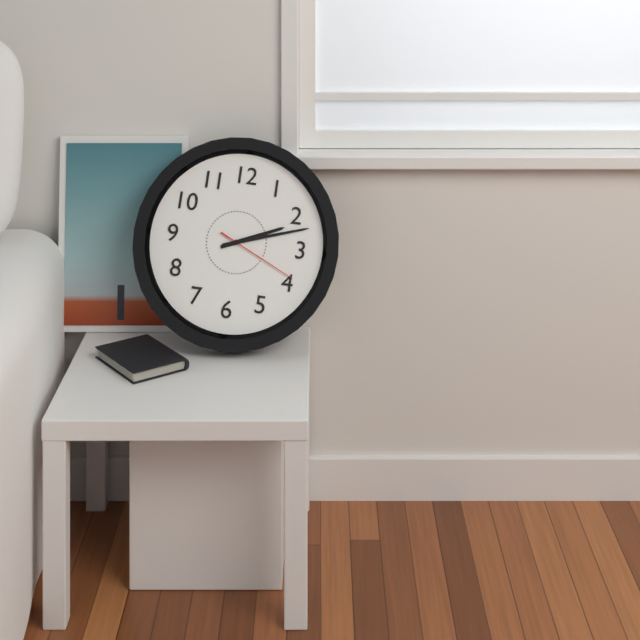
{"hour": 2, "minute": 12, "second": 19}
